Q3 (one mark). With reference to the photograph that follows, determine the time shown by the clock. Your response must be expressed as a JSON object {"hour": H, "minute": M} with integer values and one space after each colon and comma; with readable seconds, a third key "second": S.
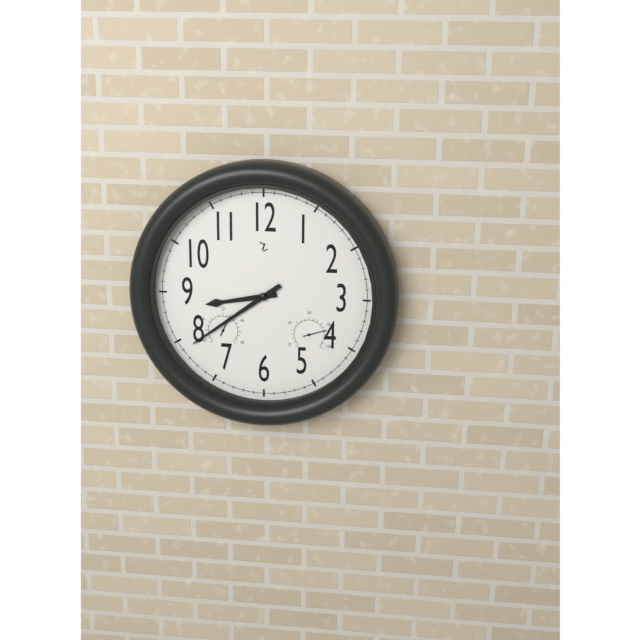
{"hour": 8, "minute": 39}
